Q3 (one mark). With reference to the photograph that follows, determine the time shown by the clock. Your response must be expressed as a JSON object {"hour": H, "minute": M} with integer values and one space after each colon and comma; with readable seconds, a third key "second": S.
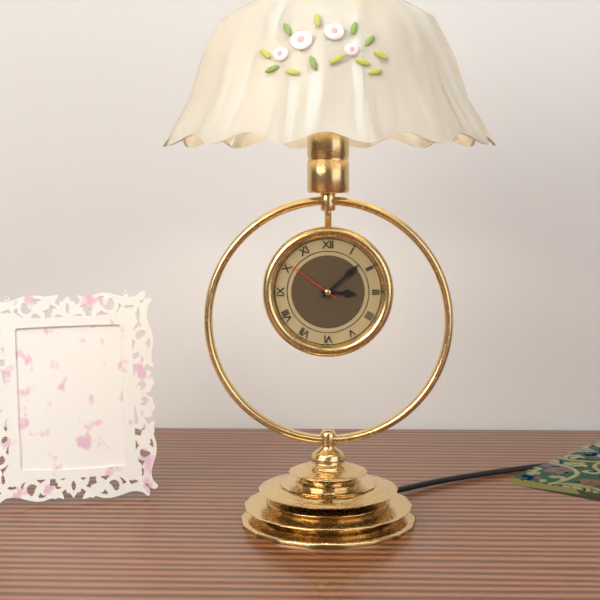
{"hour": 3, "minute": 8, "second": 51}
